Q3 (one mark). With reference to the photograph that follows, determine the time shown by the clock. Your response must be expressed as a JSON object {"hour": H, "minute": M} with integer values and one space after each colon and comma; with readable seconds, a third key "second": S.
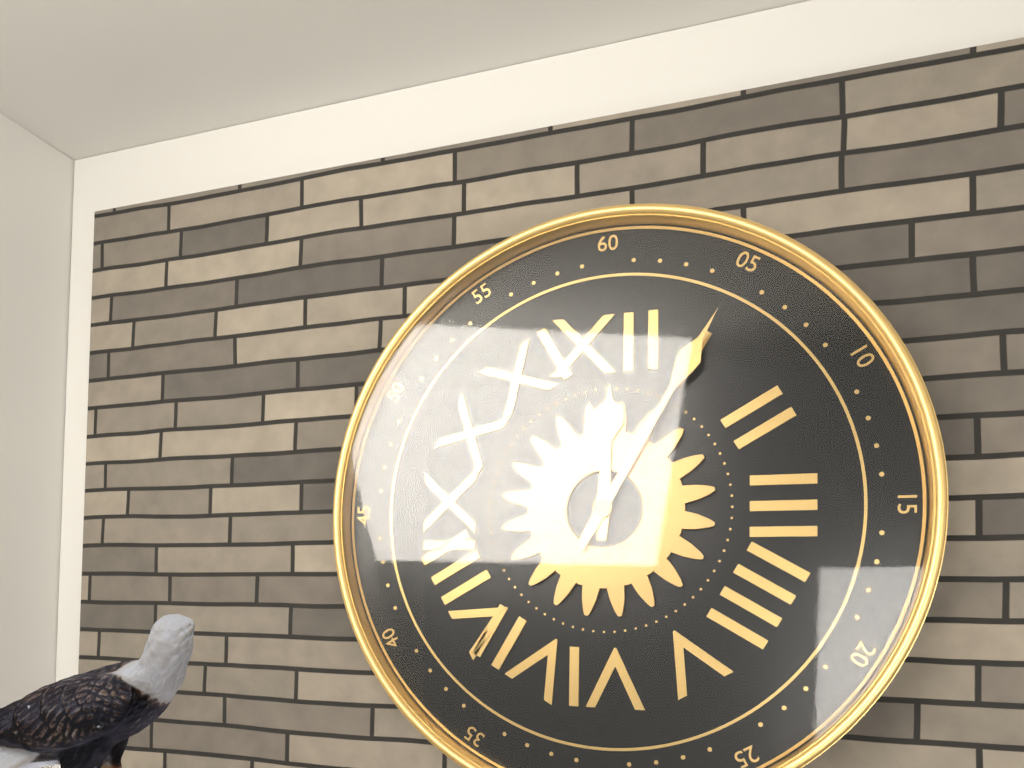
{"hour": 12, "minute": 5}
